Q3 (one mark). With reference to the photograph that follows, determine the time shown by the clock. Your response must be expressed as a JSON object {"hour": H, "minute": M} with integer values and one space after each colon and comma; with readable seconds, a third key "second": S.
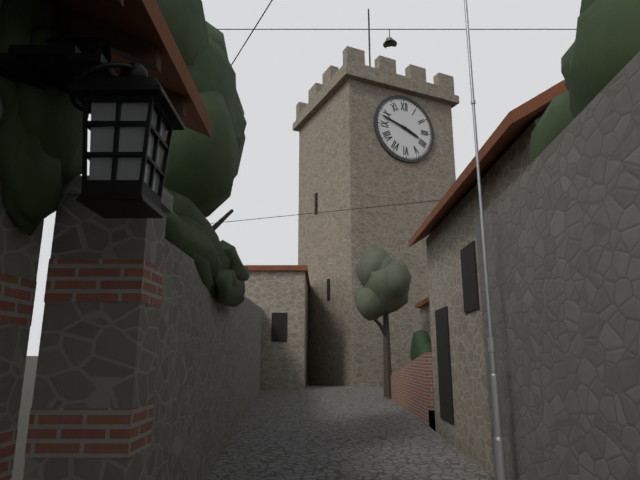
{"hour": 3, "minute": 48}
